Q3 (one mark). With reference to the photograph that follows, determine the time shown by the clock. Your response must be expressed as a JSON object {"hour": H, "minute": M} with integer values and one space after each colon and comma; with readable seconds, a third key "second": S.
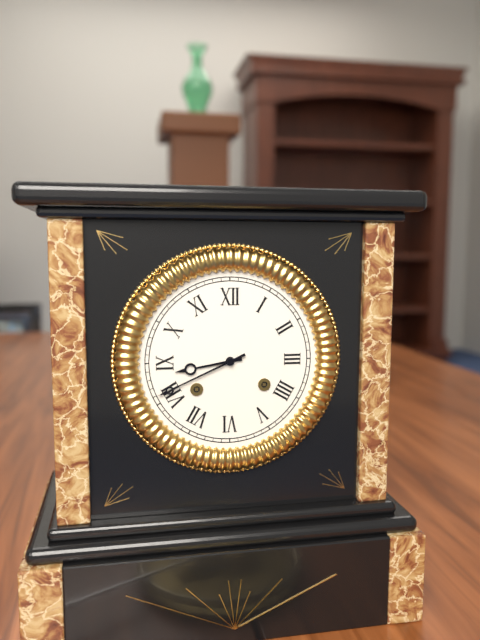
{"hour": 8, "minute": 41}
